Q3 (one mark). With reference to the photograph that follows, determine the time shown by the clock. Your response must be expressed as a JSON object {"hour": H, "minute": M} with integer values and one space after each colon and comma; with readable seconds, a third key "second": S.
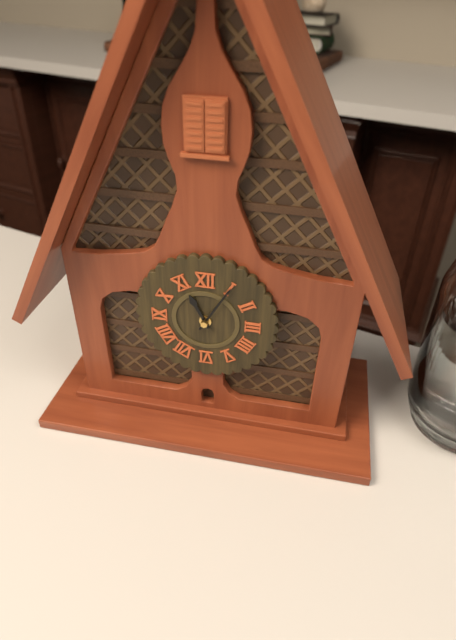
{"hour": 11, "minute": 5}
